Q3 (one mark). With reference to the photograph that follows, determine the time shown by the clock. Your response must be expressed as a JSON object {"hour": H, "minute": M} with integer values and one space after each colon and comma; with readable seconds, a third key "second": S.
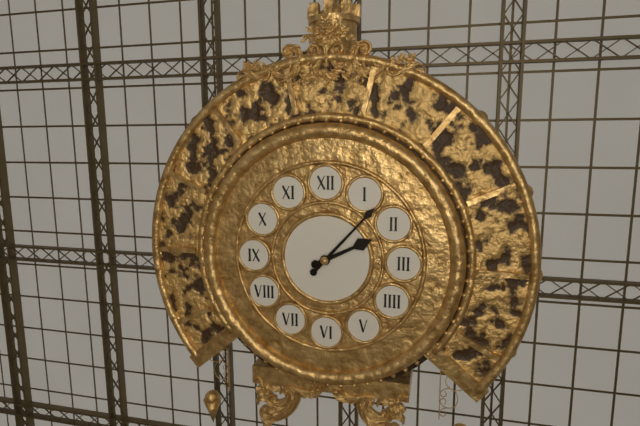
{"hour": 2, "minute": 7}
